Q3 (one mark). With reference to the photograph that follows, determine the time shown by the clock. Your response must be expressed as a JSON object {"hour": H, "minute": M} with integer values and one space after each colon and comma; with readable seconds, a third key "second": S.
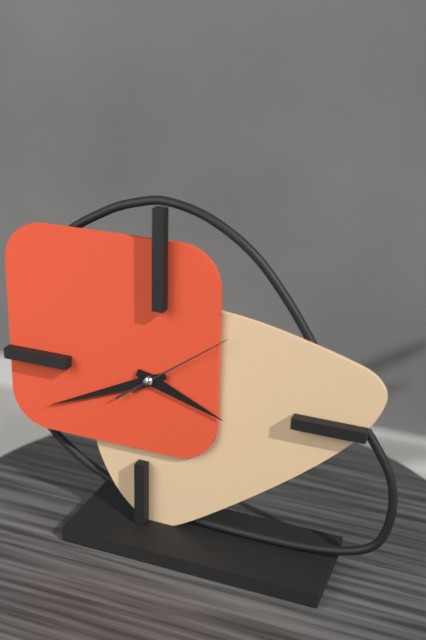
{"hour": 3, "minute": 41, "second": 9}
